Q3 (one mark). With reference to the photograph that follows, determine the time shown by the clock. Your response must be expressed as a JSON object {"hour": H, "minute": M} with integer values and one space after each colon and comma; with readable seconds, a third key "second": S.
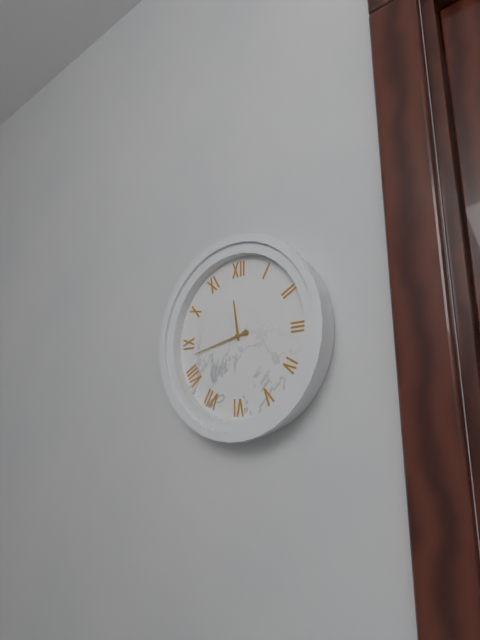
{"hour": 11, "minute": 43}
